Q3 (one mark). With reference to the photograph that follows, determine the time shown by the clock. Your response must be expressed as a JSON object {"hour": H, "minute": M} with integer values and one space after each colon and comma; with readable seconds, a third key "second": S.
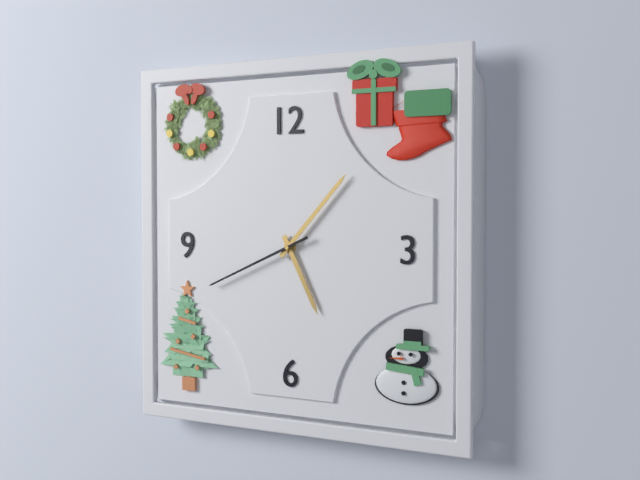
{"hour": 5, "minute": 7, "second": 41}
